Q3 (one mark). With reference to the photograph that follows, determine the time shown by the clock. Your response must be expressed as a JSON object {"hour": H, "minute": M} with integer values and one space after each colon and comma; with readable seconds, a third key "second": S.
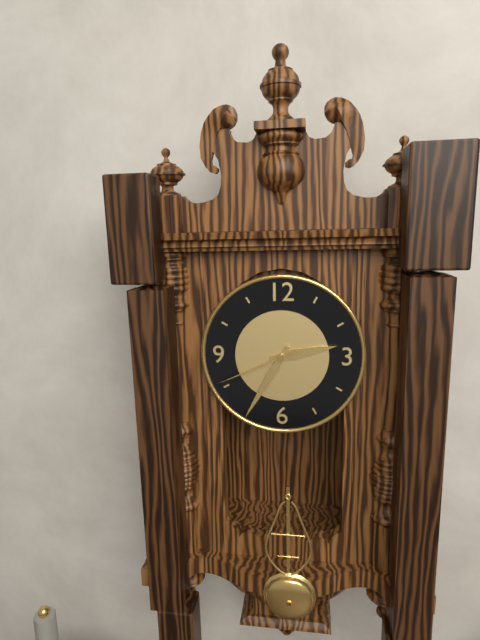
{"hour": 2, "minute": 35, "second": 41}
